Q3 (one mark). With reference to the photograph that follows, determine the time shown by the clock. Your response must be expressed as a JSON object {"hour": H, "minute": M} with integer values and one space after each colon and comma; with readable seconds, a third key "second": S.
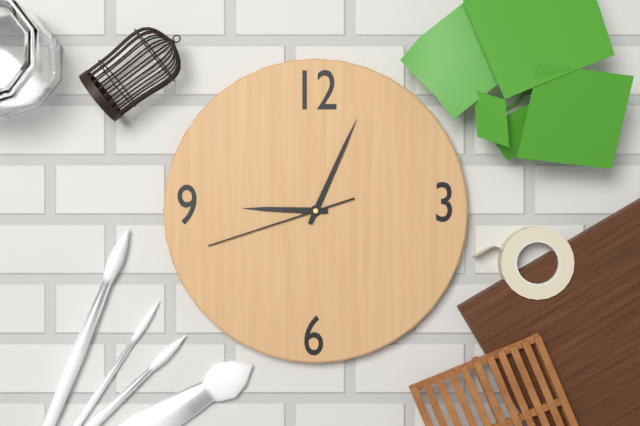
{"hour": 9, "minute": 4, "second": 42}
